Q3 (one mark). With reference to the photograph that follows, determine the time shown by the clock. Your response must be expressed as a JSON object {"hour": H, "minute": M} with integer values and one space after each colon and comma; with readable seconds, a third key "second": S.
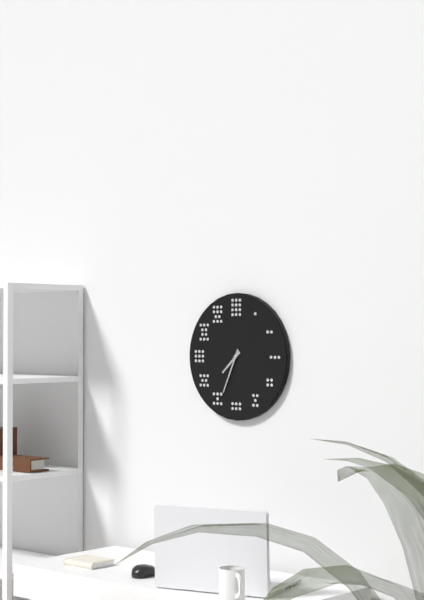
{"hour": 7, "minute": 34}
